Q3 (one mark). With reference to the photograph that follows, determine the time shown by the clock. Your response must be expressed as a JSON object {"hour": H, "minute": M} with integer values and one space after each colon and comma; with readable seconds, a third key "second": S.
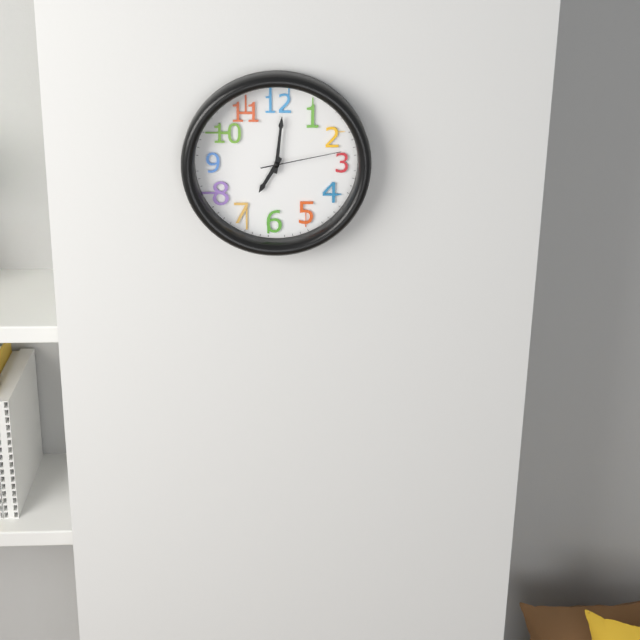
{"hour": 7, "minute": 1, "second": 13}
